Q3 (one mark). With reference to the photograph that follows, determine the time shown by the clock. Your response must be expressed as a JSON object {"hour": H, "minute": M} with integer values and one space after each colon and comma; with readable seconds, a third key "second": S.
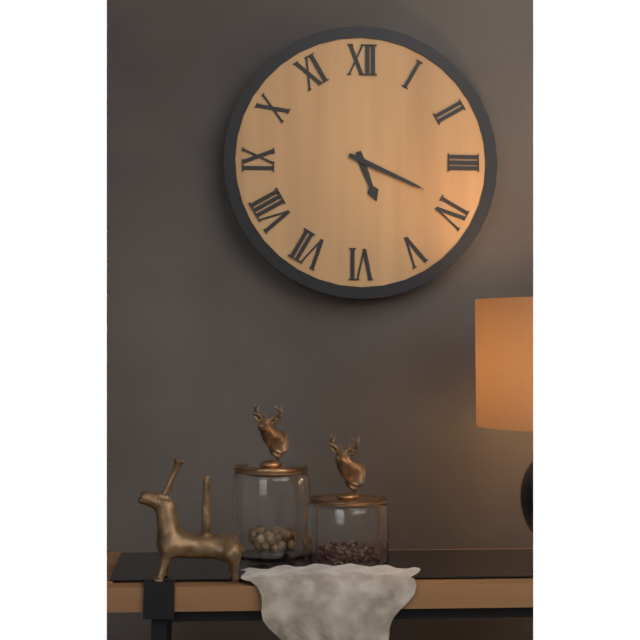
{"hour": 5, "minute": 19}
